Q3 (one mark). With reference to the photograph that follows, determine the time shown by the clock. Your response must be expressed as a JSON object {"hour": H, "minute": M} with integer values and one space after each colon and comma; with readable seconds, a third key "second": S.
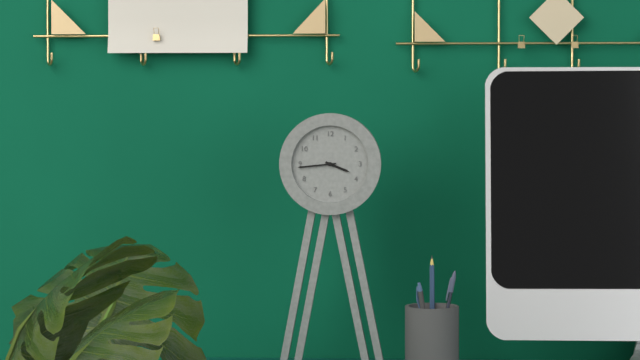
{"hour": 3, "minute": 44}
